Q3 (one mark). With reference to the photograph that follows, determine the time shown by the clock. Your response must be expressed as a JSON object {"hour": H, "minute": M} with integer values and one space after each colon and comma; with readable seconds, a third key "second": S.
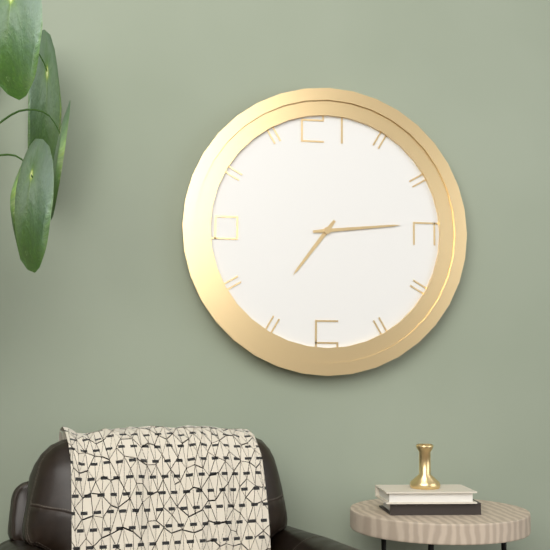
{"hour": 7, "minute": 14}
